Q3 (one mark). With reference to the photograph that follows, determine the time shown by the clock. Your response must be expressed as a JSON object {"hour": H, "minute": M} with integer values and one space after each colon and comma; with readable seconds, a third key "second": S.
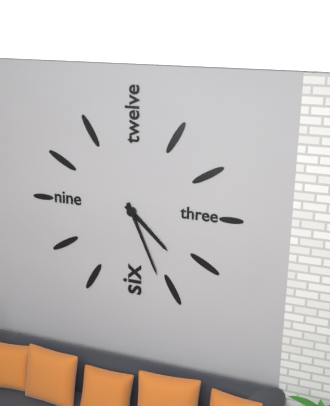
{"hour": 4, "minute": 26}
